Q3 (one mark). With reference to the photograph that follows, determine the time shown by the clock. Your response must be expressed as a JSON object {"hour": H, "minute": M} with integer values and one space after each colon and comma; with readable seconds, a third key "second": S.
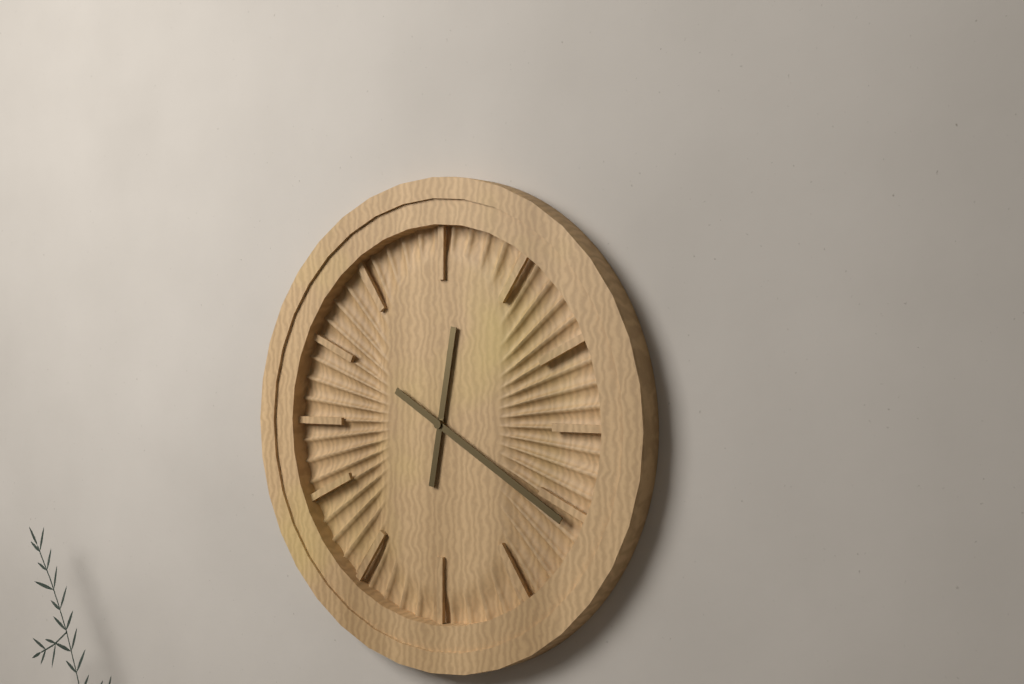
{"hour": 12, "minute": 20}
